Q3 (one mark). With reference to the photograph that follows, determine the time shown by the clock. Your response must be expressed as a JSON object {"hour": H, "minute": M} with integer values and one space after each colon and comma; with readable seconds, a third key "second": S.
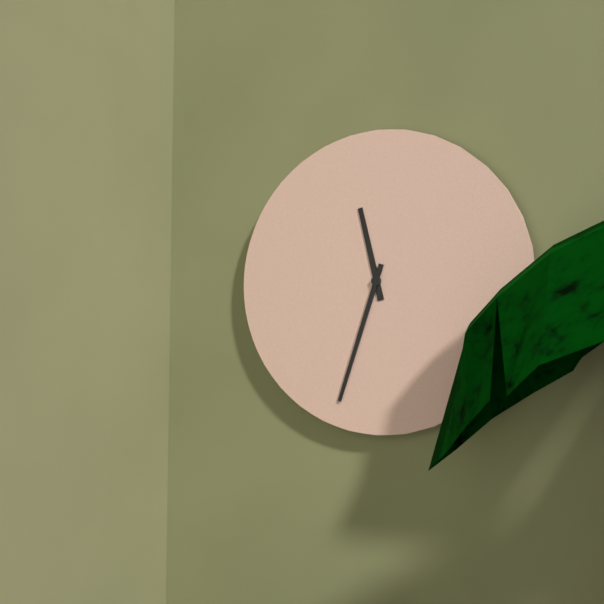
{"hour": 11, "minute": 33}
